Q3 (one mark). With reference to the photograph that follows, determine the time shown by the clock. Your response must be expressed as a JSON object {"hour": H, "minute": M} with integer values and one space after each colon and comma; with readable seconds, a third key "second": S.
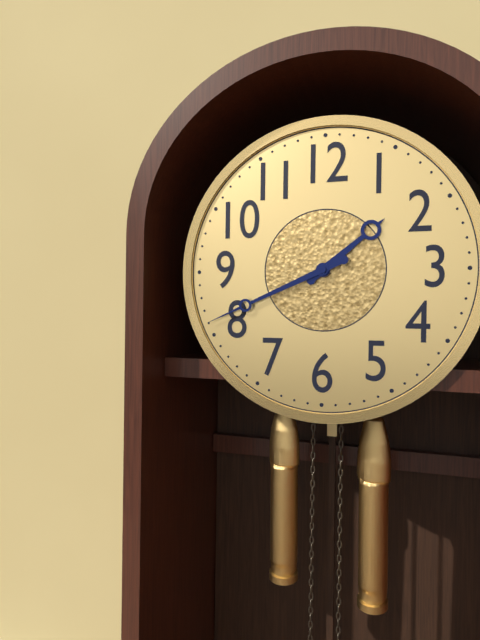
{"hour": 1, "minute": 41}
